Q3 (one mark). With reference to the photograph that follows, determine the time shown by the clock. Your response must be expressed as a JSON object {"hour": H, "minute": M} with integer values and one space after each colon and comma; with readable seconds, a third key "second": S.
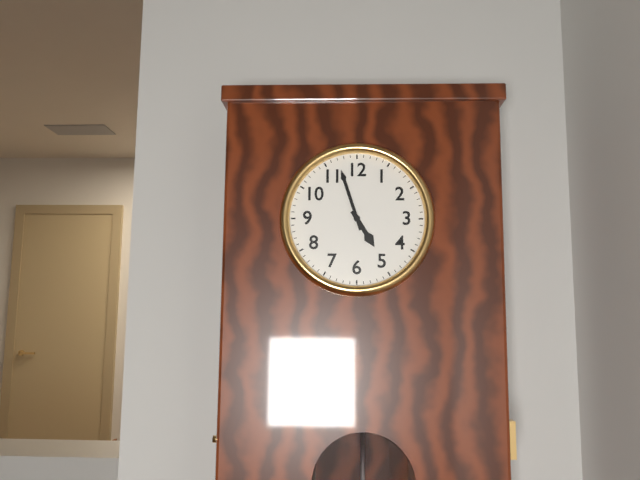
{"hour": 4, "minute": 57}
